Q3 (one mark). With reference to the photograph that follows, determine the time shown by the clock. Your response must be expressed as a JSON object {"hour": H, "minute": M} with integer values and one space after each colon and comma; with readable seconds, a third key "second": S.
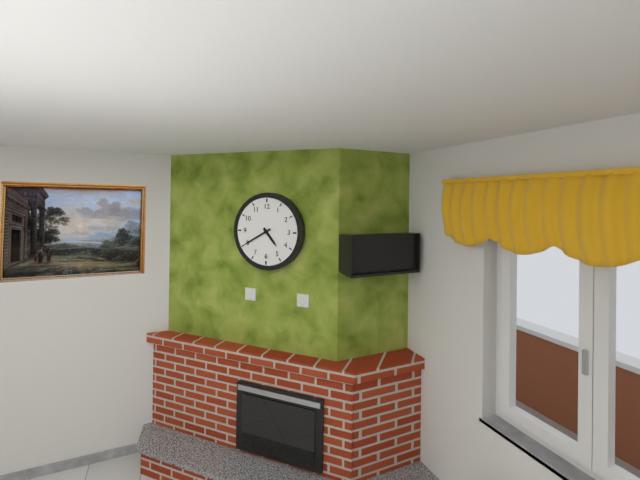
{"hour": 4, "minute": 40}
